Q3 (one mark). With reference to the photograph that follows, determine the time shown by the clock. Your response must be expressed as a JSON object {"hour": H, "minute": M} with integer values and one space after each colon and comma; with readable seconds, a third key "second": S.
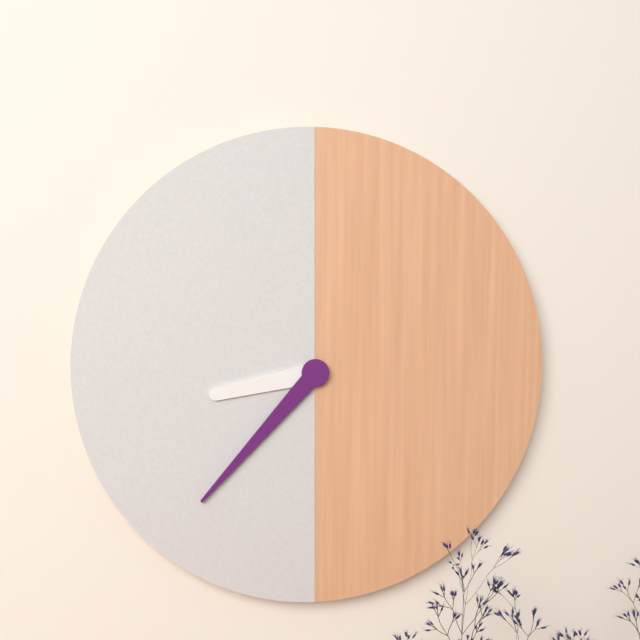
{"hour": 8, "minute": 37}
